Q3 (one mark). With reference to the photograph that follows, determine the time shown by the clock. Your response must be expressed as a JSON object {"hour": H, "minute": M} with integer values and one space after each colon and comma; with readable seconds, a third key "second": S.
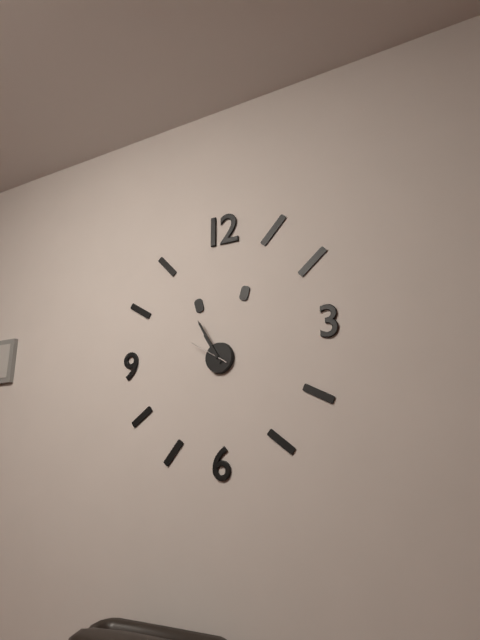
{"hour": 10, "minute": 55}
